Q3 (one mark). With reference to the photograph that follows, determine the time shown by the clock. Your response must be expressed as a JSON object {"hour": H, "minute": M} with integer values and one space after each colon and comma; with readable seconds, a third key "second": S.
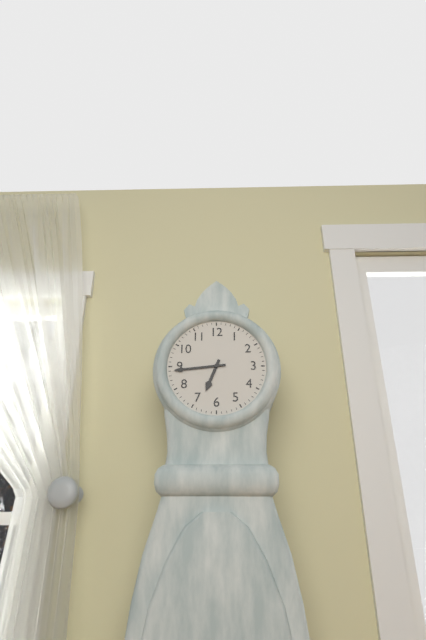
{"hour": 6, "minute": 44}
